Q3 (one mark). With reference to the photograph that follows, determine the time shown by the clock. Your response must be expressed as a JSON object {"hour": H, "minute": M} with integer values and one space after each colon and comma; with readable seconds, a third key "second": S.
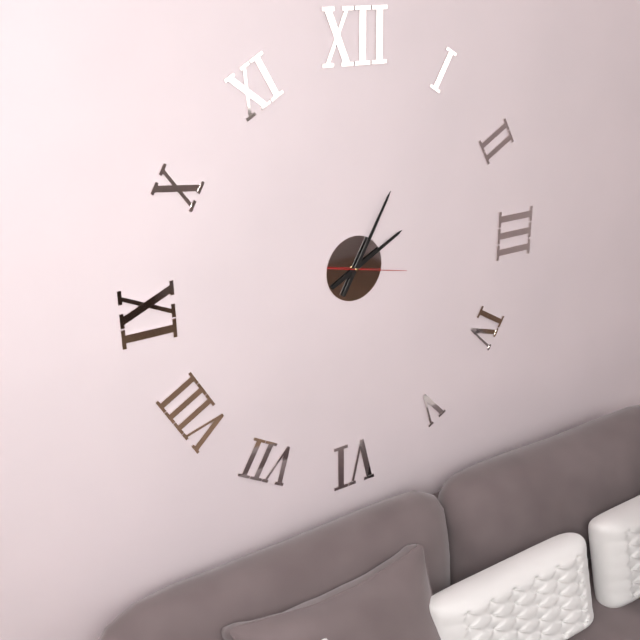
{"hour": 2, "minute": 5, "second": 17}
